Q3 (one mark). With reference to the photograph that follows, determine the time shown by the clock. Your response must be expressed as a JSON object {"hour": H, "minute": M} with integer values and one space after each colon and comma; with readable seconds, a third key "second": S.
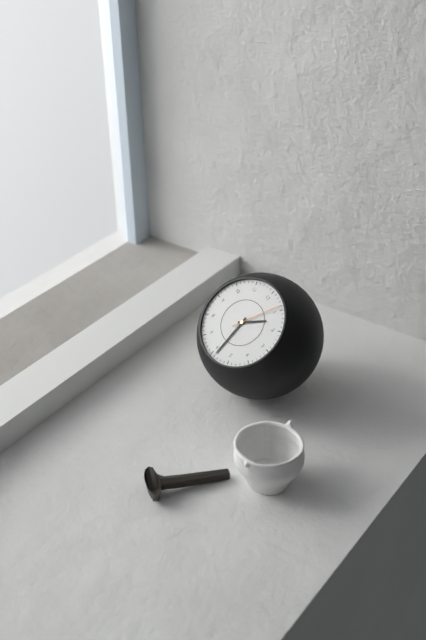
{"hour": 1, "minute": 29, "second": 4}
